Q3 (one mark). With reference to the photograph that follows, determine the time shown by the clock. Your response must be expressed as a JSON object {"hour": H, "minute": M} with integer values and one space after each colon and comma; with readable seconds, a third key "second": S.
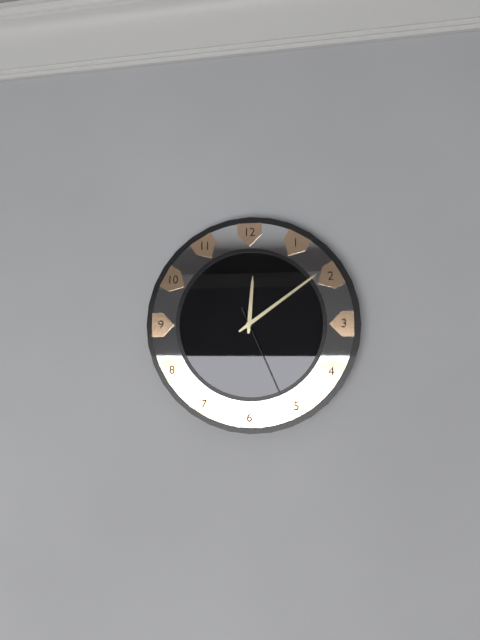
{"hour": 12, "minute": 9, "second": 26}
